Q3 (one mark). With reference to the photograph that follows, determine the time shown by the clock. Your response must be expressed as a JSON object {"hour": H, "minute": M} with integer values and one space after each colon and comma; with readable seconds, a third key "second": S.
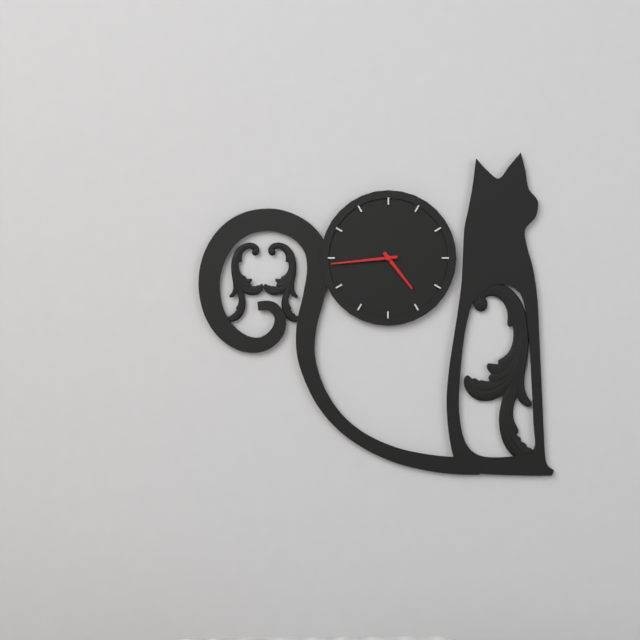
{"hour": 4, "minute": 44}
